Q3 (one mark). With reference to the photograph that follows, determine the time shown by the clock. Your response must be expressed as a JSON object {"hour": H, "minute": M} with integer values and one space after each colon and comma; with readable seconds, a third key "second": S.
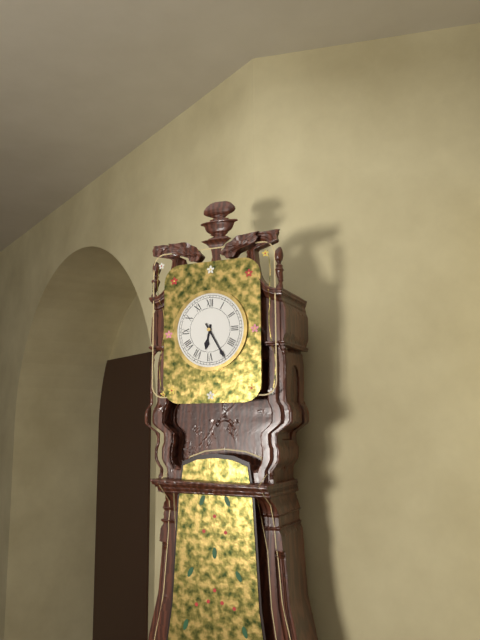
{"hour": 6, "minute": 25}
